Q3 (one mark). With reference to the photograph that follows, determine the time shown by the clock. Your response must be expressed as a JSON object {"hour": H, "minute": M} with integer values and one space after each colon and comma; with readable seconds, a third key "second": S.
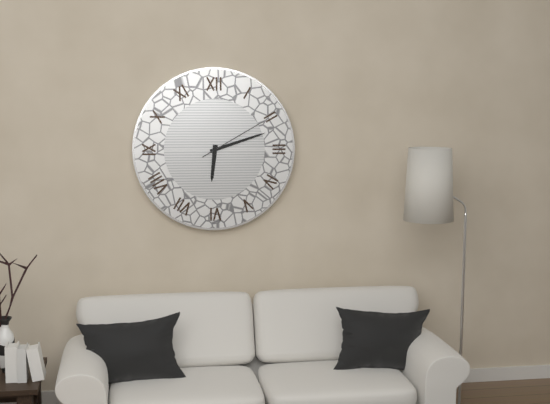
{"hour": 6, "minute": 12, "second": 10}
